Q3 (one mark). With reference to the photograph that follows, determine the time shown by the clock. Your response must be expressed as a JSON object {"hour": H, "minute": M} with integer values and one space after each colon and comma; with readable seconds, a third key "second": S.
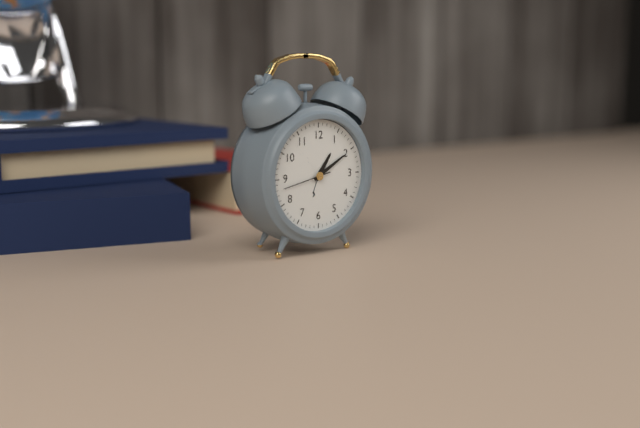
{"hour": 1, "minute": 10}
